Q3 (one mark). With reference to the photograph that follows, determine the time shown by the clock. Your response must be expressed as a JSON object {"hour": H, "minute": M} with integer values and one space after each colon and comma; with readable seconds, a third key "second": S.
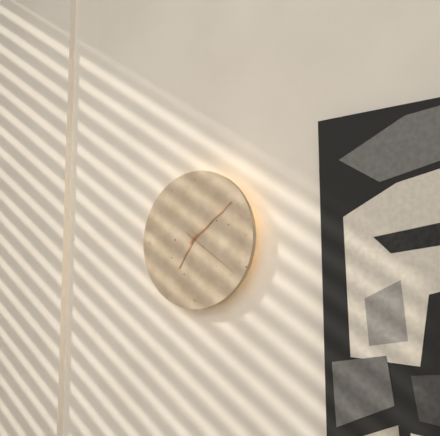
{"hour": 7, "minute": 9, "second": 21}
